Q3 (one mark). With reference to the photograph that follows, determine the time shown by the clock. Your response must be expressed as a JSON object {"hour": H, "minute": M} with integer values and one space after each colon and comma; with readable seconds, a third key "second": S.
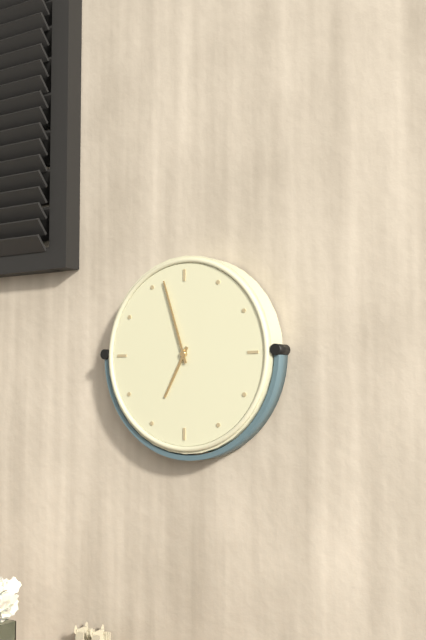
{"hour": 6, "minute": 57}
